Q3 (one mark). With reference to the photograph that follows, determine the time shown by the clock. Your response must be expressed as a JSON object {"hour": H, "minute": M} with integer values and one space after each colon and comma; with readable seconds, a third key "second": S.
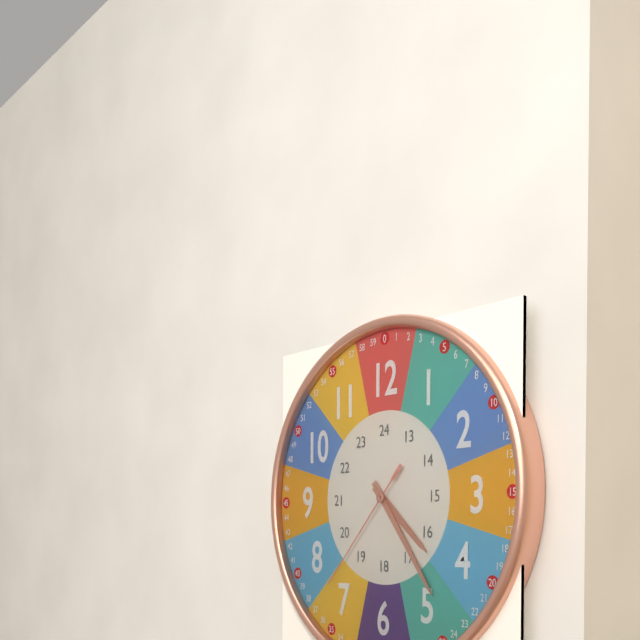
{"hour": 4, "minute": 24, "second": 37}
